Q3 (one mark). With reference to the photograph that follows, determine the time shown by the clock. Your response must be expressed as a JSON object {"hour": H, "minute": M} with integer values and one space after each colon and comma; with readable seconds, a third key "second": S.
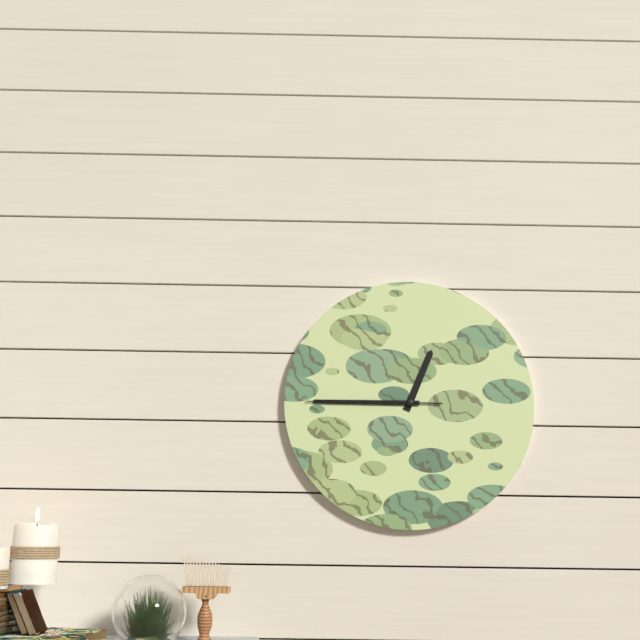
{"hour": 12, "minute": 45, "second": 45}
